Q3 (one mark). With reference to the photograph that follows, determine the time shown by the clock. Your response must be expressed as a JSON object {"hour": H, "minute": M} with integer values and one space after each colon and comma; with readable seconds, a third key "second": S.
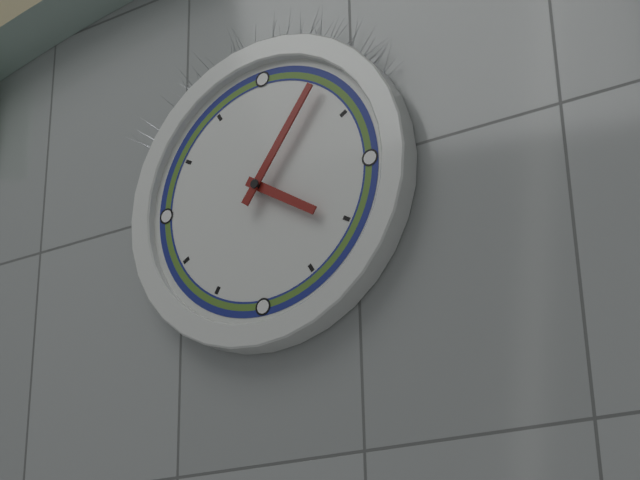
{"hour": 4, "minute": 6}
